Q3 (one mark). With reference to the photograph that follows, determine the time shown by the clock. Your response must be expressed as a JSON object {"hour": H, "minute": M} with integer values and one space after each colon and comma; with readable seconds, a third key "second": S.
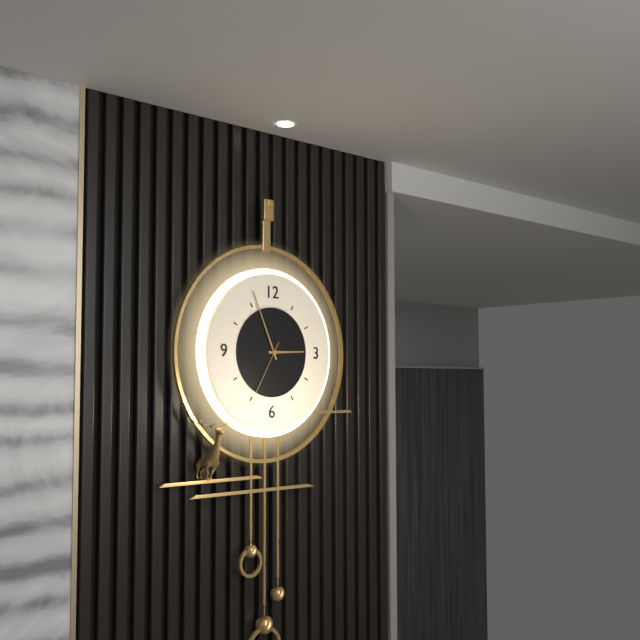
{"hour": 2, "minute": 56, "second": 35}
